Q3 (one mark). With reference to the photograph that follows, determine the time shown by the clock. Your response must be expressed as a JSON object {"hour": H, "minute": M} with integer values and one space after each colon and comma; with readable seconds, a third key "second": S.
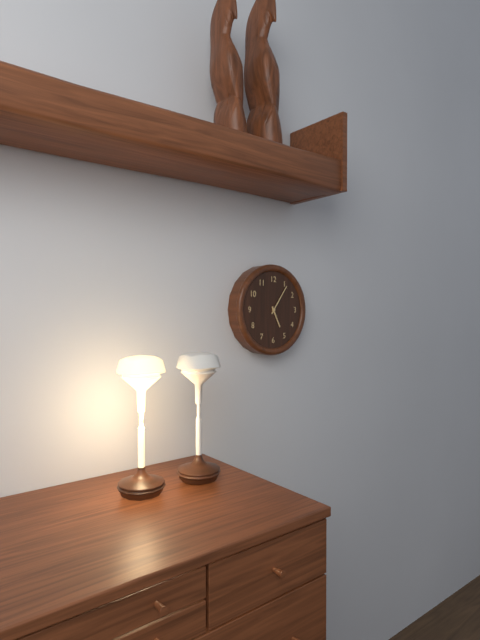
{"hour": 5, "minute": 6}
